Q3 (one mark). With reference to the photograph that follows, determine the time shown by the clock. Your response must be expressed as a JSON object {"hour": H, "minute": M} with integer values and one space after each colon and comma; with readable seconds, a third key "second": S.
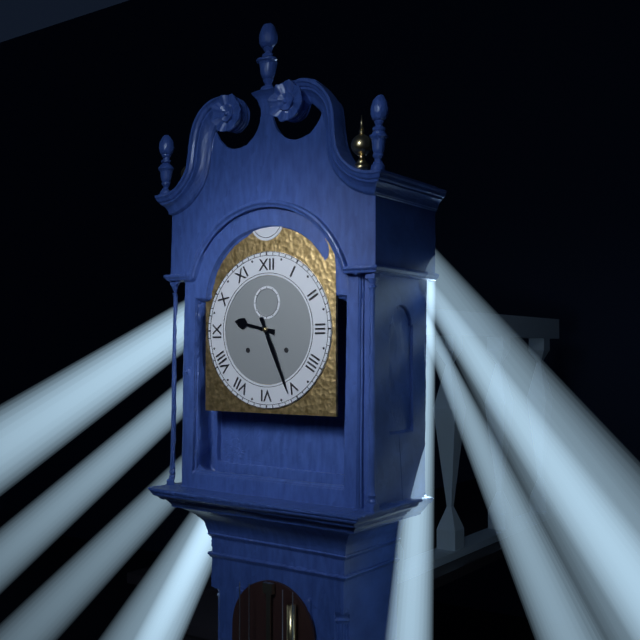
{"hour": 9, "minute": 26}
